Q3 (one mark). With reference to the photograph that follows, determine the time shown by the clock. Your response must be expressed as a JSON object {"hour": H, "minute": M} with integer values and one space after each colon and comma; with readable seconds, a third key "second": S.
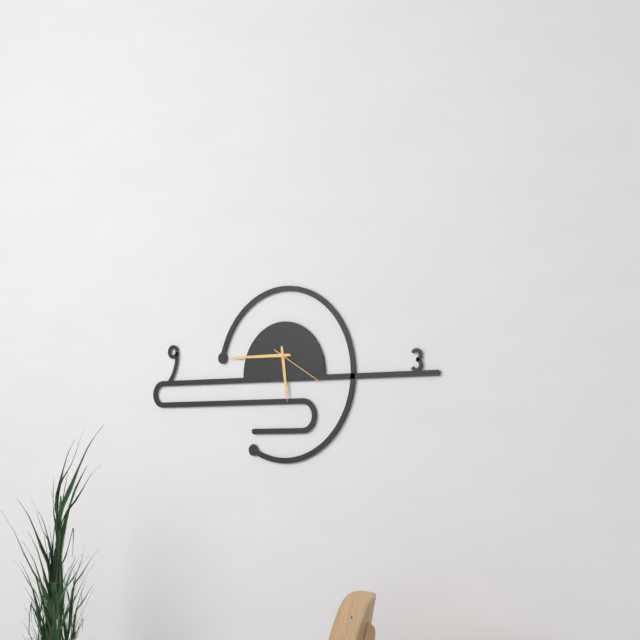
{"hour": 5, "minute": 45, "second": 20}
